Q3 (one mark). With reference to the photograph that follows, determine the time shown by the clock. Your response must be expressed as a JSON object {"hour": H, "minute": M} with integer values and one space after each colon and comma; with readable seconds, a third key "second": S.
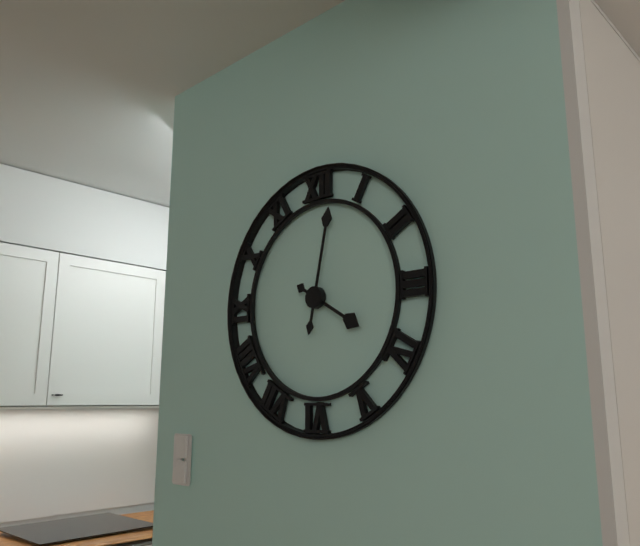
{"hour": 4, "minute": 2}
